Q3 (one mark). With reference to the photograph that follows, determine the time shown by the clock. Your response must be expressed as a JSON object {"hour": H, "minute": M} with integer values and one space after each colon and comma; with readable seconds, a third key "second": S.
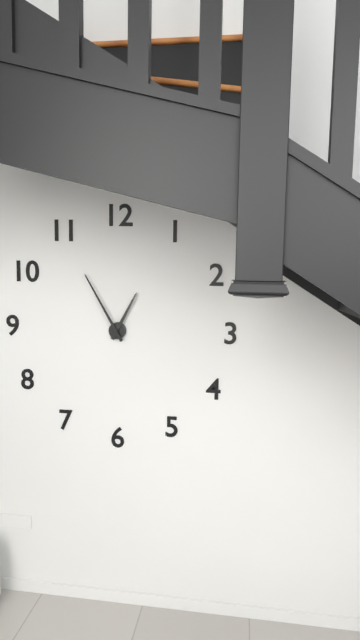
{"hour": 12, "minute": 55}
